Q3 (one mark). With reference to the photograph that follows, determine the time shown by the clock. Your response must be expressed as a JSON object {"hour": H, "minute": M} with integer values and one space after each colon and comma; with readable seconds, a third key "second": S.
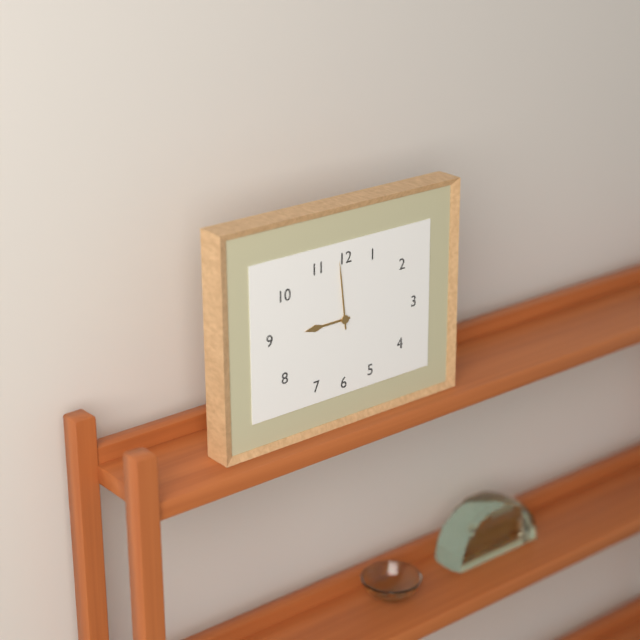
{"hour": 8, "minute": 59}
